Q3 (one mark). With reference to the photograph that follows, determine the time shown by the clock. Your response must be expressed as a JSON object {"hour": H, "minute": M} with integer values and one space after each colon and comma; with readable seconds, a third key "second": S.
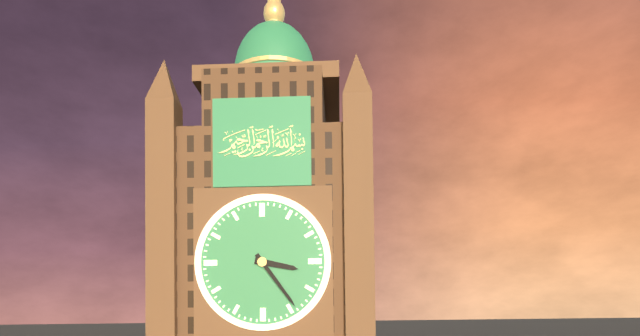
{"hour": 3, "minute": 24}
